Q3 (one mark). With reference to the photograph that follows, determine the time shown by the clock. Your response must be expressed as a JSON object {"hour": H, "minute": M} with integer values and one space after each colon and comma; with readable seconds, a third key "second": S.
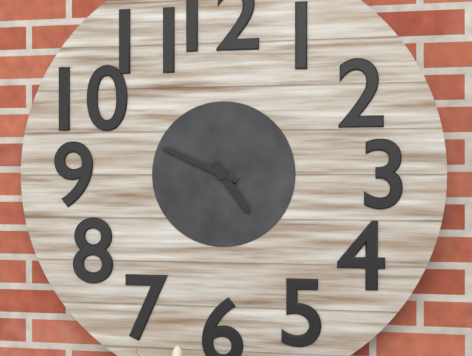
{"hour": 4, "minute": 49}
